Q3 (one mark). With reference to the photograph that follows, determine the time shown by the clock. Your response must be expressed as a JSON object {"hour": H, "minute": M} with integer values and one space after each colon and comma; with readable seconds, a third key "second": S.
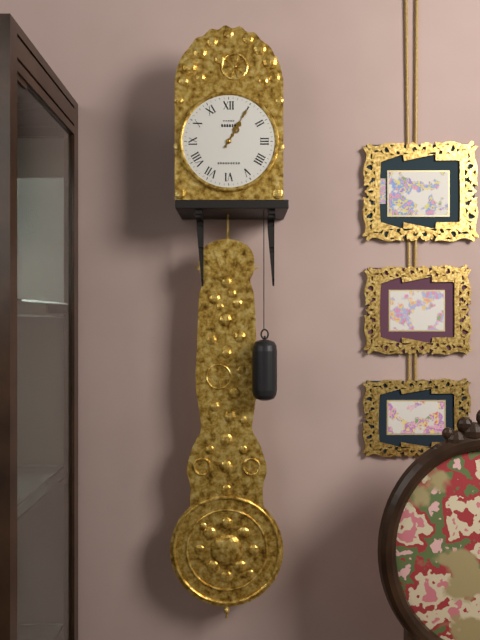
{"hour": 1, "minute": 5}
